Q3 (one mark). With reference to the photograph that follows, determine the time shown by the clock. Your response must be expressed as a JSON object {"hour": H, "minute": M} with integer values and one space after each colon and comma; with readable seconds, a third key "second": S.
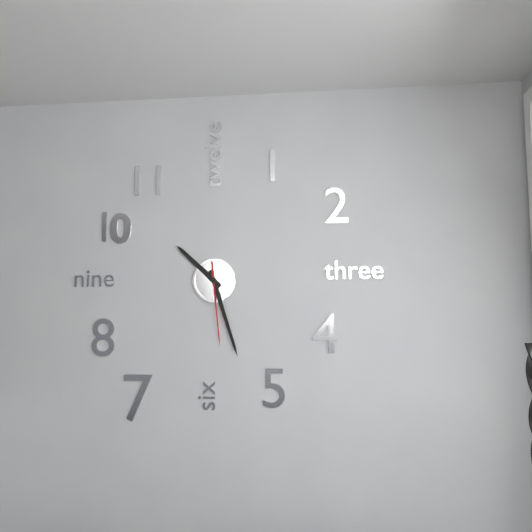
{"hour": 10, "minute": 27, "second": 29}
